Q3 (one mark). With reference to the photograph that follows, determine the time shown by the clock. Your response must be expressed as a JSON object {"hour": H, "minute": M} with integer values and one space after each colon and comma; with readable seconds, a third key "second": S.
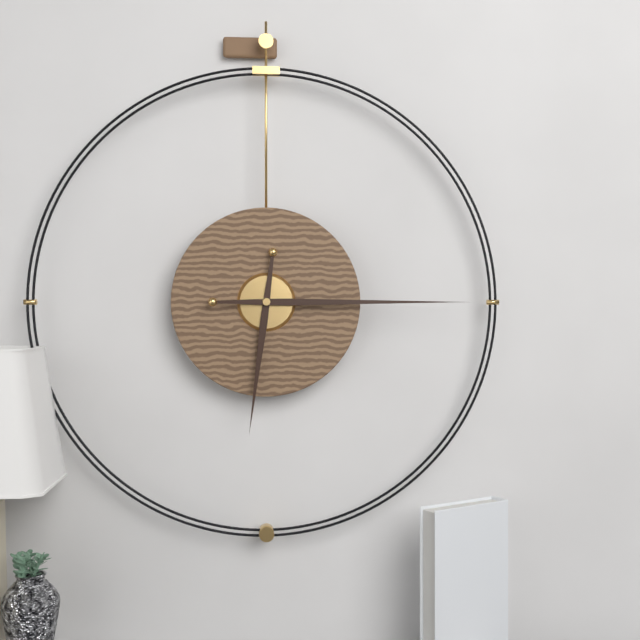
{"hour": 6, "minute": 15}
